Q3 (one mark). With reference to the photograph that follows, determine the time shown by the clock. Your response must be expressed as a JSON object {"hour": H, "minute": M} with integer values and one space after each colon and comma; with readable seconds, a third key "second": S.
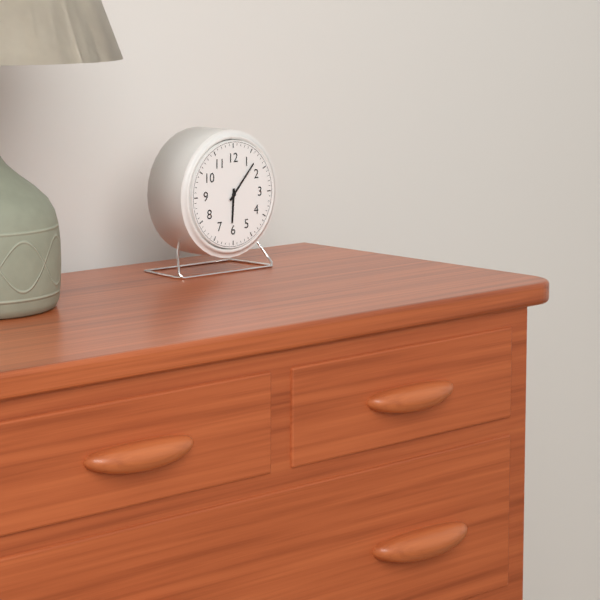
{"hour": 6, "minute": 7}
